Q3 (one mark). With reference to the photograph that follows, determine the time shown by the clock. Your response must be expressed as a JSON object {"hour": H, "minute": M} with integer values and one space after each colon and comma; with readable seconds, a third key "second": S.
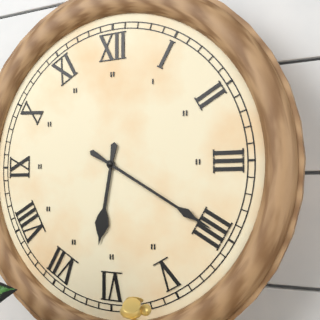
{"hour": 6, "minute": 20}
